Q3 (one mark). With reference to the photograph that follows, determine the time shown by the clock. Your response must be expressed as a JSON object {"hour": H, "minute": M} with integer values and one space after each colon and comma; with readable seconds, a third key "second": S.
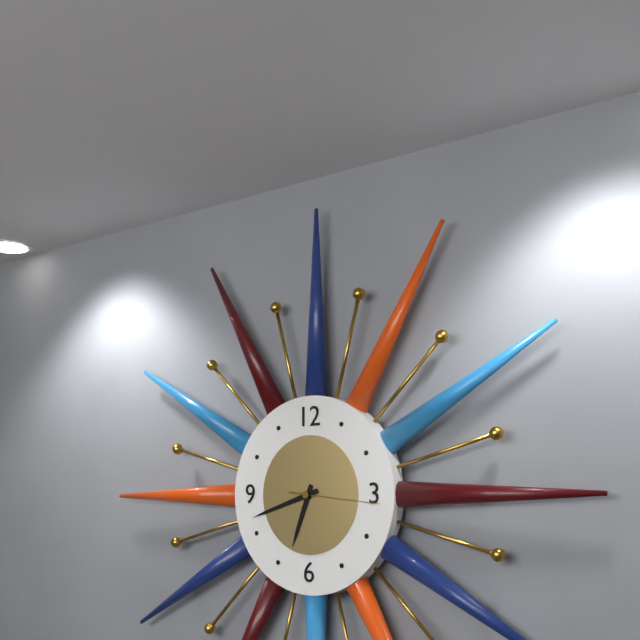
{"hour": 6, "minute": 42, "second": 16}
